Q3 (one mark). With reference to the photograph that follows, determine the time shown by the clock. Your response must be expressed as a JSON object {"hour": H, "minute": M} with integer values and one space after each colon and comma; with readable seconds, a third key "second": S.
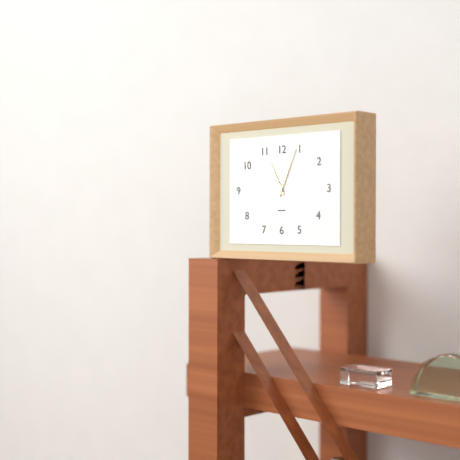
{"hour": 11, "minute": 4}
